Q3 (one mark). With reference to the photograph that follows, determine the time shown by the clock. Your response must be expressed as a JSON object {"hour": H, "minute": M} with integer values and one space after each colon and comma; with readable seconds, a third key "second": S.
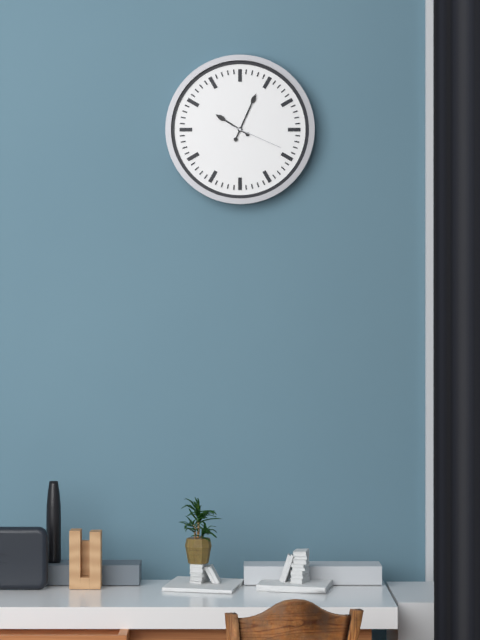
{"hour": 10, "minute": 4, "second": 19}
